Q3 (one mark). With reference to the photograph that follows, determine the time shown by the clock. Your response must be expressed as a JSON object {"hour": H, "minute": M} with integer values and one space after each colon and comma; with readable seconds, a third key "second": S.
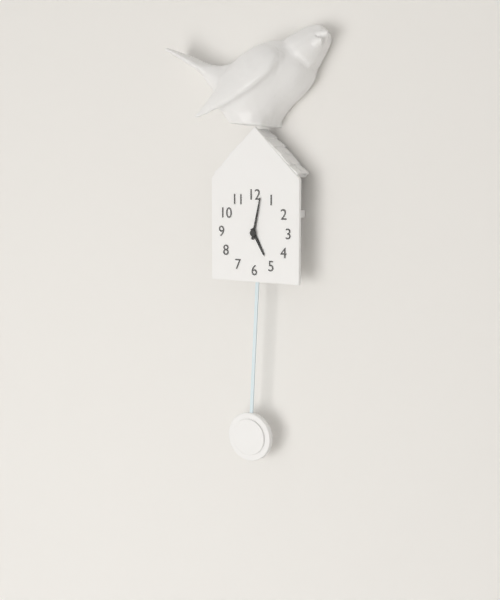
{"hour": 5, "minute": 2}
